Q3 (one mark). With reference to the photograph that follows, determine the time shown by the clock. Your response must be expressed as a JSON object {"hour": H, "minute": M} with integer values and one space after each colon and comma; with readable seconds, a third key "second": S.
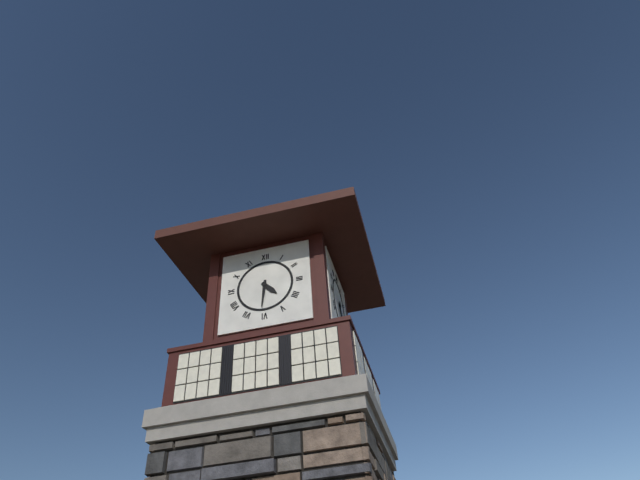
{"hour": 4, "minute": 31}
